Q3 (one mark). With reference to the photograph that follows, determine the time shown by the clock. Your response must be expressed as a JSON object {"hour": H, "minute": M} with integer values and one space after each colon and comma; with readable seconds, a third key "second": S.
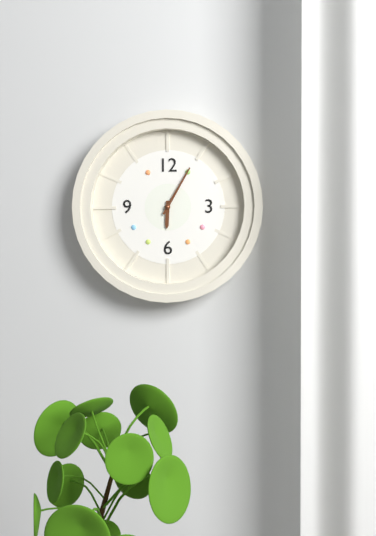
{"hour": 6, "minute": 5}
